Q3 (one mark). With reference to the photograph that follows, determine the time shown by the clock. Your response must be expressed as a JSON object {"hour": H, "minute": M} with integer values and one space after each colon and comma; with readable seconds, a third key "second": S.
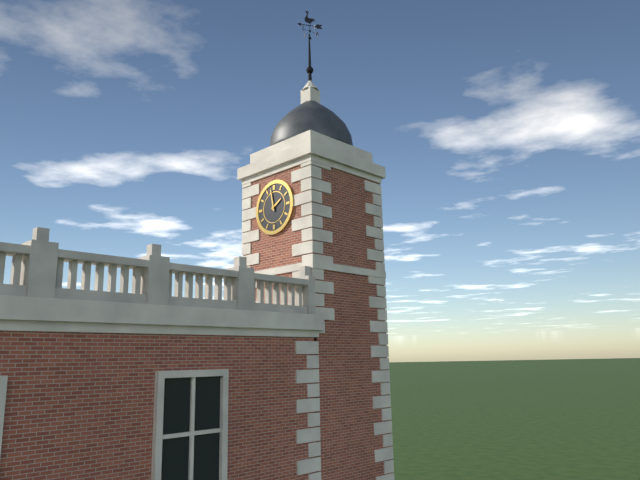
{"hour": 1, "minute": 58}
